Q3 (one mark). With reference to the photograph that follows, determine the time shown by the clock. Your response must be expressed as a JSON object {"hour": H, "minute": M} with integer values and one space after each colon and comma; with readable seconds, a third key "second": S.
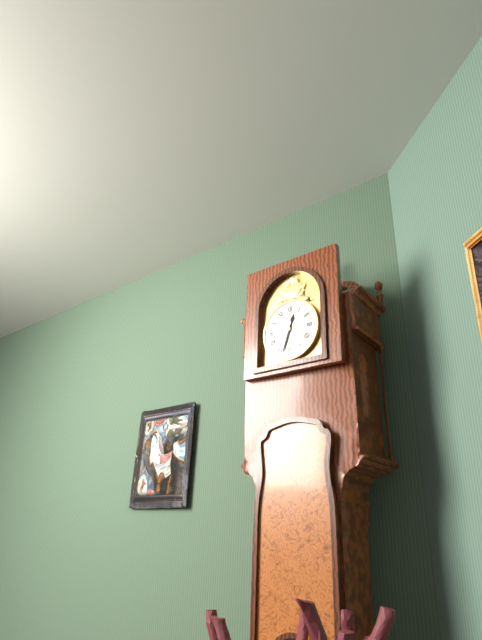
{"hour": 12, "minute": 33}
